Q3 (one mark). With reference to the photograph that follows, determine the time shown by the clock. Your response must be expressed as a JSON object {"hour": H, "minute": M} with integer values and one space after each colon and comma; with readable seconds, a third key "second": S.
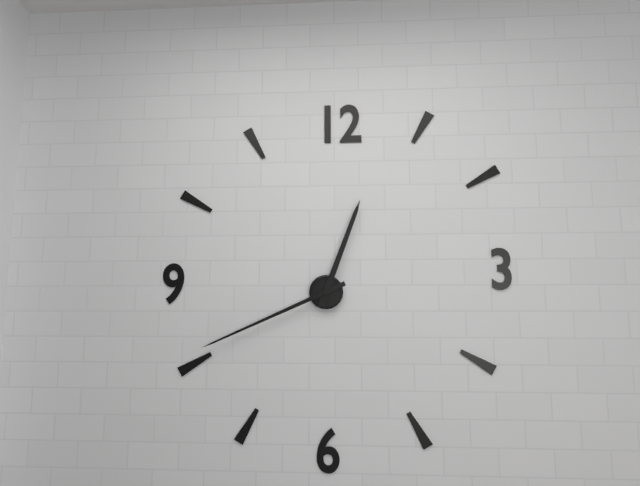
{"hour": 12, "minute": 41}
